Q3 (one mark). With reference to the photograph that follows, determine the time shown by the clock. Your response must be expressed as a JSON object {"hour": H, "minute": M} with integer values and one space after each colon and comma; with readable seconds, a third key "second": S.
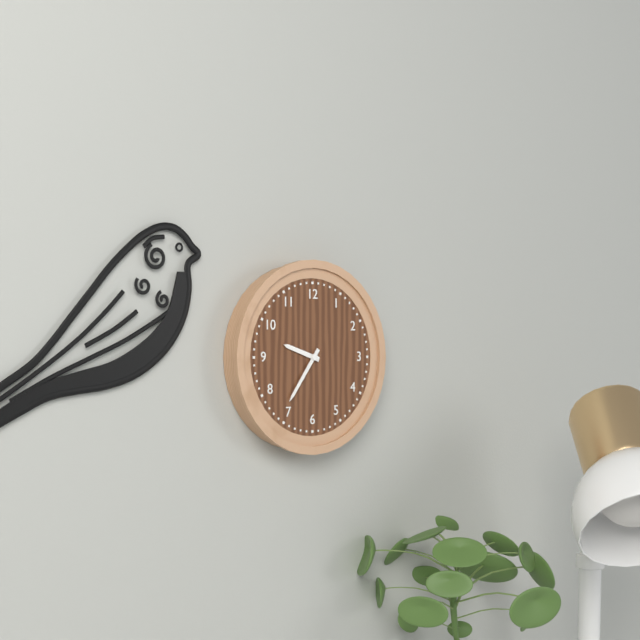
{"hour": 9, "minute": 36}
